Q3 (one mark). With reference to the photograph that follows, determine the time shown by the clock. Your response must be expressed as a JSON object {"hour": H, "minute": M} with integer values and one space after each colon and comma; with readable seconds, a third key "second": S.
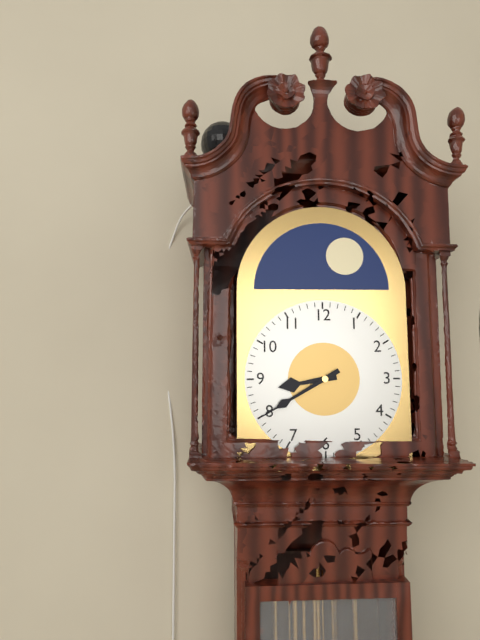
{"hour": 8, "minute": 40}
